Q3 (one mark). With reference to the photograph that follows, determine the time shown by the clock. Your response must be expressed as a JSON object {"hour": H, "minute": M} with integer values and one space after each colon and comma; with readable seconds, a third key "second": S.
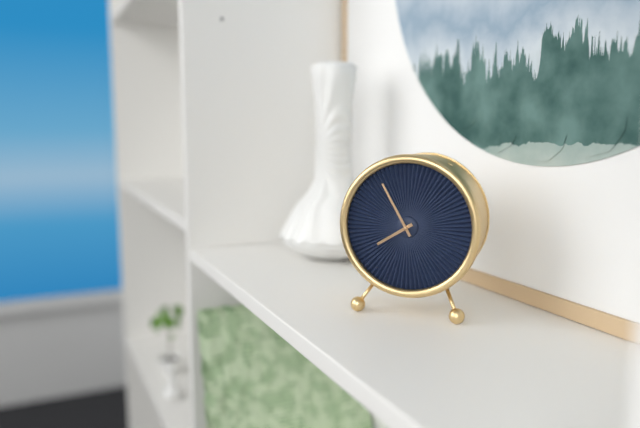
{"hour": 7, "minute": 55}
